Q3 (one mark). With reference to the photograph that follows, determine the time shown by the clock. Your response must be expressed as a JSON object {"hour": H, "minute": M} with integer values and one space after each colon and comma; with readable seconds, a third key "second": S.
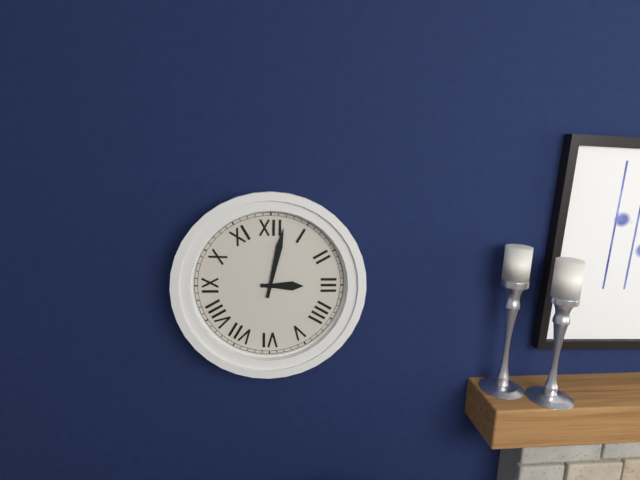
{"hour": 3, "minute": 2}
